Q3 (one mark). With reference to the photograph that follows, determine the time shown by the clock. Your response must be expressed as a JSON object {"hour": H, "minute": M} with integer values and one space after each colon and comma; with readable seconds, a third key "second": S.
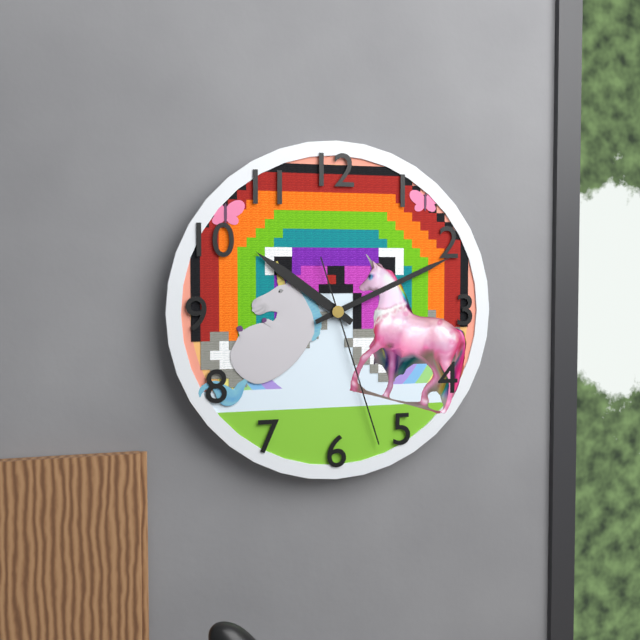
{"hour": 10, "minute": 11, "second": 27}
